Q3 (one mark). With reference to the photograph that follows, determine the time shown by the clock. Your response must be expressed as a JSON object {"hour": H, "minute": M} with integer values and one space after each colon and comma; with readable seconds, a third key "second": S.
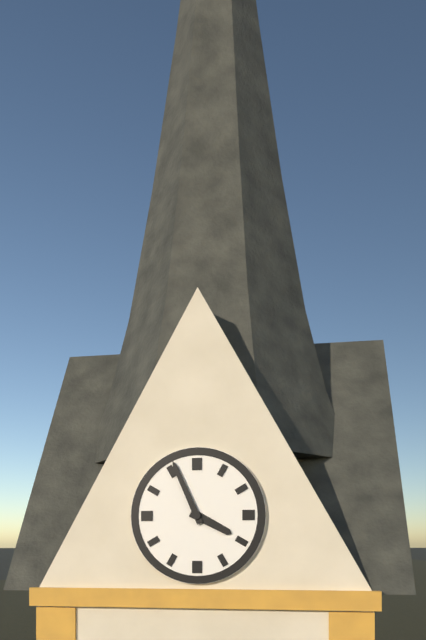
{"hour": 3, "minute": 56}
